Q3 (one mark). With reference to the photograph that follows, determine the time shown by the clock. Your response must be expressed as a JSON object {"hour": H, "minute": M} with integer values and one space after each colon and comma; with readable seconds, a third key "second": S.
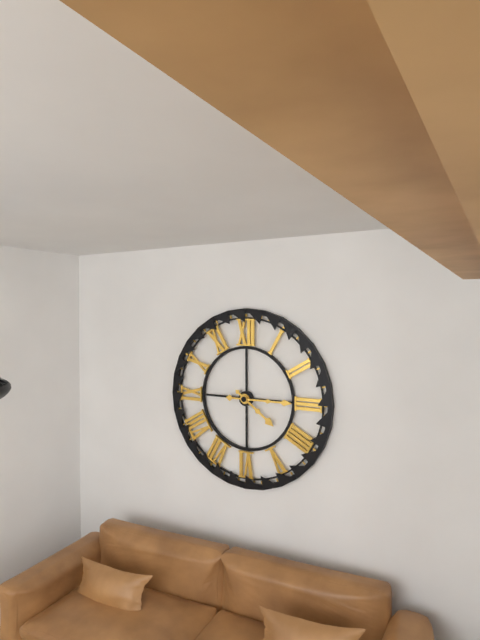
{"hour": 4, "minute": 15}
